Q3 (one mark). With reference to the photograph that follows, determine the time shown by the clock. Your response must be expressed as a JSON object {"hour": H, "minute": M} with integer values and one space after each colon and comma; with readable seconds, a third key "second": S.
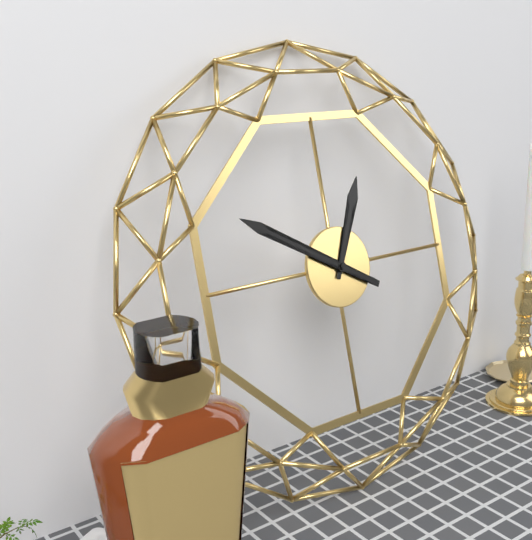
{"hour": 12, "minute": 50}
